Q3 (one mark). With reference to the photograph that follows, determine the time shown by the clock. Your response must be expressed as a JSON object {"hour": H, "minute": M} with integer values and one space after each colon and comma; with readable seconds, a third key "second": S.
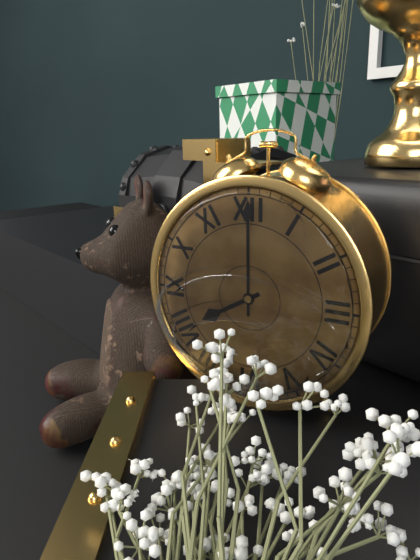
{"hour": 8, "minute": 0}
